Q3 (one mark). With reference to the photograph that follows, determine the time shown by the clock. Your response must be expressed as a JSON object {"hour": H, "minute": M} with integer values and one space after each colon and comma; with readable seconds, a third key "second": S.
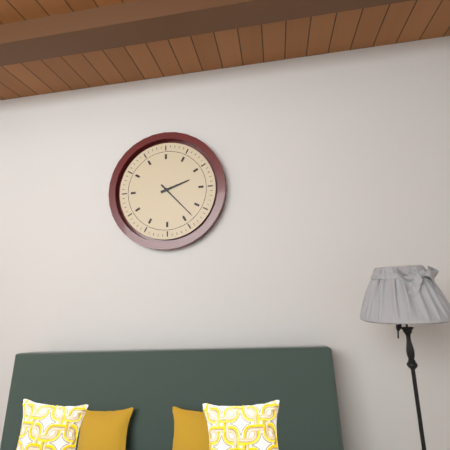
{"hour": 2, "minute": 23}
